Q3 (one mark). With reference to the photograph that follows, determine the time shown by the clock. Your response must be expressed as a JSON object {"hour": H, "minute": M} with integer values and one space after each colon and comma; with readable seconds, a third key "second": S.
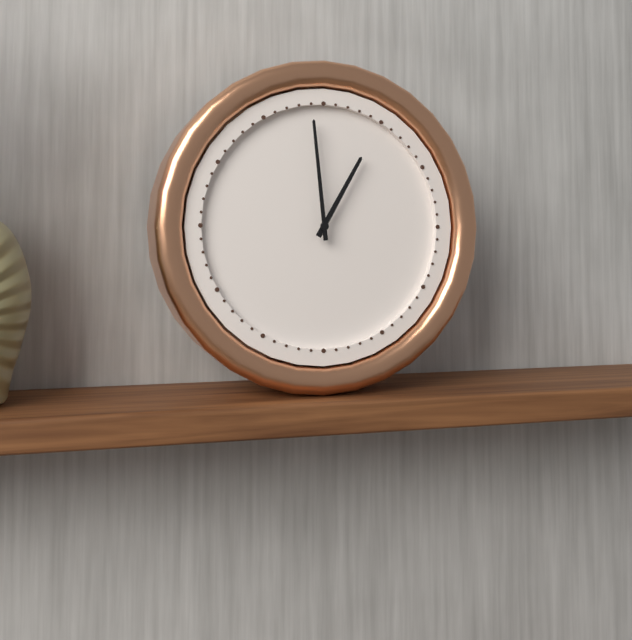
{"hour": 12, "minute": 59}
